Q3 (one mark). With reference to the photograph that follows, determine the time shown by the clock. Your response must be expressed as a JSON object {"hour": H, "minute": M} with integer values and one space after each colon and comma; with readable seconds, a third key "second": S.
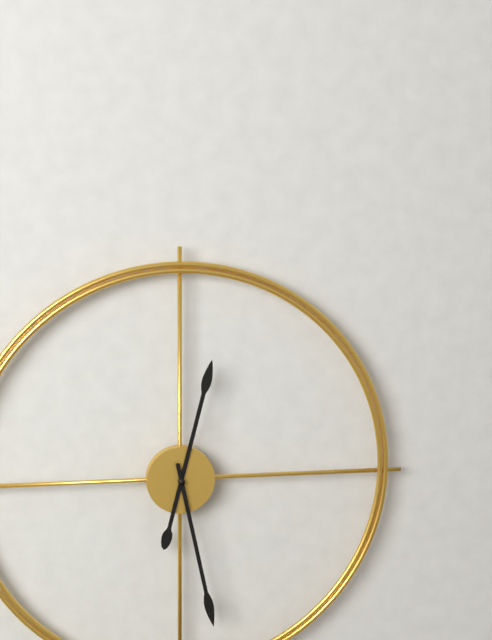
{"hour": 12, "minute": 28}
